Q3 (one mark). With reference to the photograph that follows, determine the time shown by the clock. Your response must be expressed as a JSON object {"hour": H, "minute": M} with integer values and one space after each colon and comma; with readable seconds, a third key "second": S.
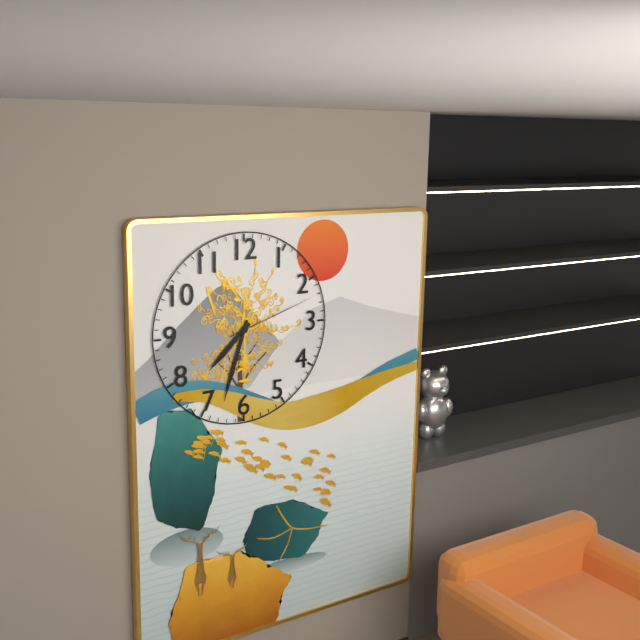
{"hour": 7, "minute": 33, "second": 12}
